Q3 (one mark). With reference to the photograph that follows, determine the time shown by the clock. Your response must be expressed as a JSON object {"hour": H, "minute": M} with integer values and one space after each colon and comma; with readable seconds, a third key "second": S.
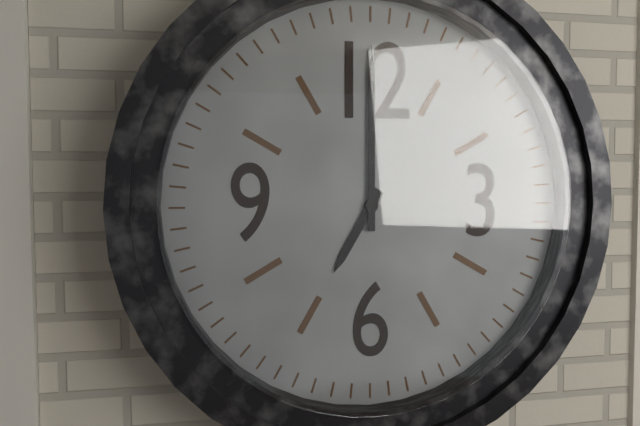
{"hour": 7, "minute": 0}
